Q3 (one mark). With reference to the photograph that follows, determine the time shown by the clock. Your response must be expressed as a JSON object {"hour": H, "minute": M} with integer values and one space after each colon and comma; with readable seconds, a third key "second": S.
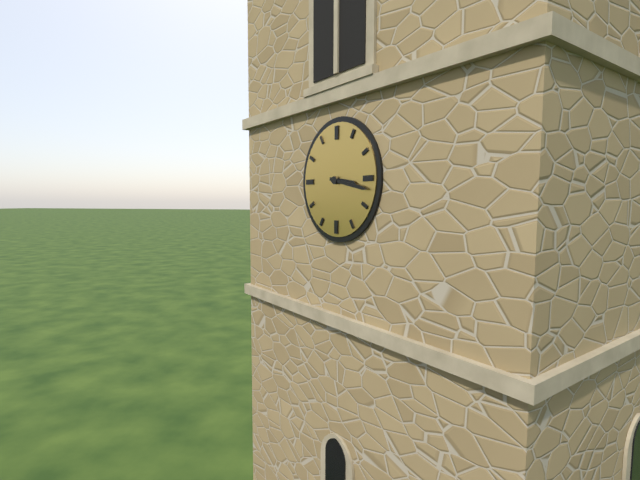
{"hour": 3, "minute": 17}
